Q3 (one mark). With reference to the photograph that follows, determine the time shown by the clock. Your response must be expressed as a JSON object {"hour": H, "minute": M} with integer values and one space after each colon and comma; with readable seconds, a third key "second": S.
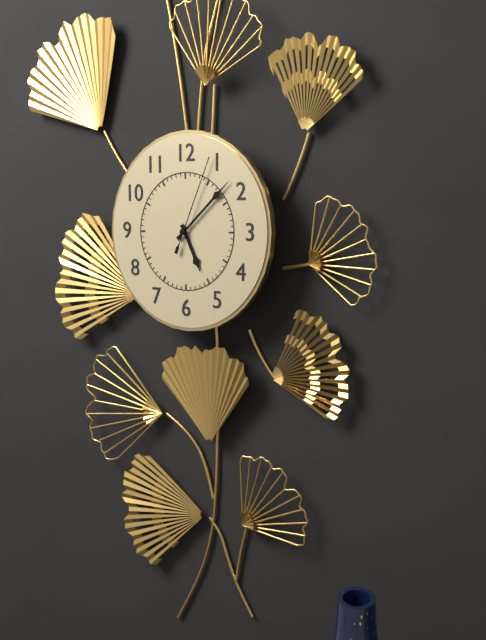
{"hour": 5, "minute": 8, "second": 4}
